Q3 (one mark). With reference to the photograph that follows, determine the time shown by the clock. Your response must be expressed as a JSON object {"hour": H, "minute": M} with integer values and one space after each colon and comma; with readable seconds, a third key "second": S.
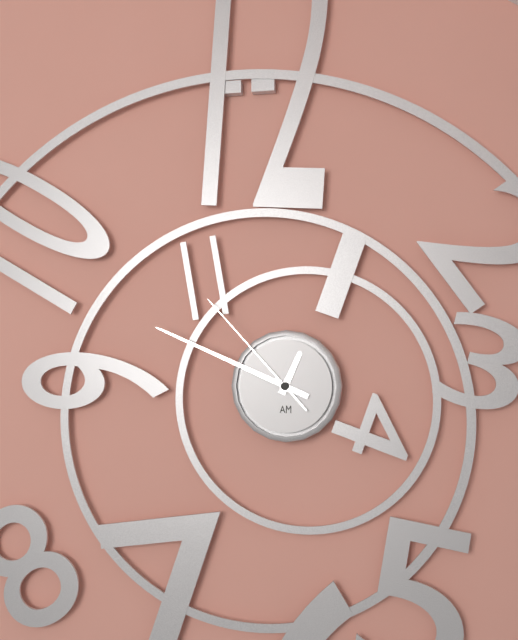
{"hour": 12, "minute": 49, "second": 53}
